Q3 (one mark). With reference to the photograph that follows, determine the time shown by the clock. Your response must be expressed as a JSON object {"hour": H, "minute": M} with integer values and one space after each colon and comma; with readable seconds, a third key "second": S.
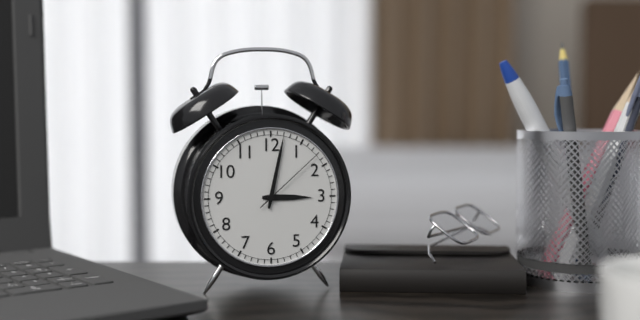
{"hour": 3, "minute": 2, "second": 8}
